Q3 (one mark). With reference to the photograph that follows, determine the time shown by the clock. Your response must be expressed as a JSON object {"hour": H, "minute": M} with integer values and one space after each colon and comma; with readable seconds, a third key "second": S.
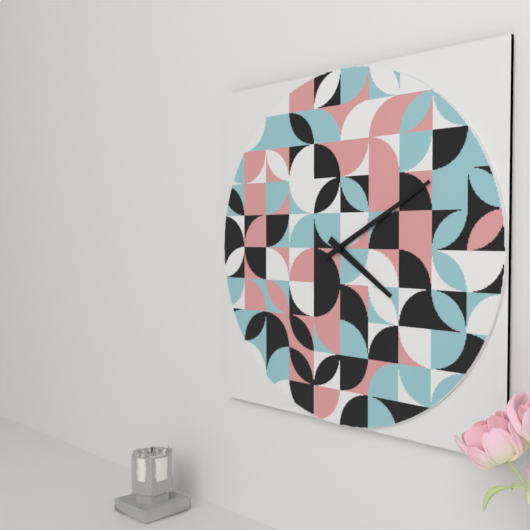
{"hour": 4, "minute": 10}
